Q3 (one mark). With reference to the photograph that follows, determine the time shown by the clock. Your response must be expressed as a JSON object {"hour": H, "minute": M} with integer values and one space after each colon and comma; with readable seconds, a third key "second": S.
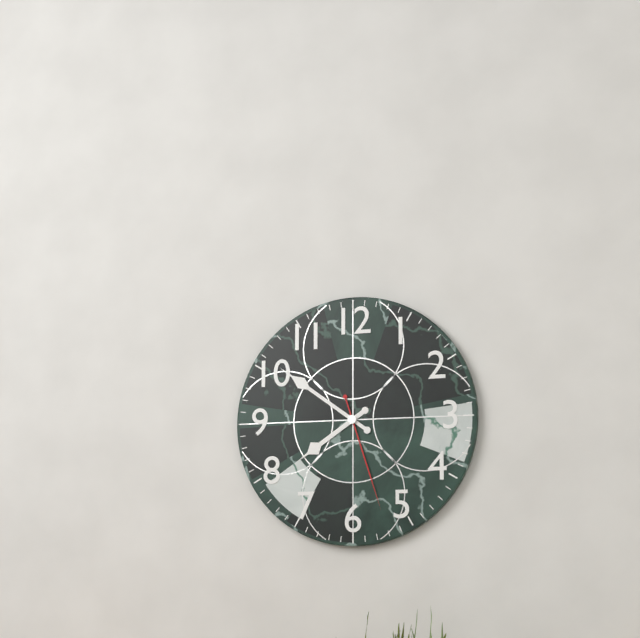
{"hour": 7, "minute": 51, "second": 27}
